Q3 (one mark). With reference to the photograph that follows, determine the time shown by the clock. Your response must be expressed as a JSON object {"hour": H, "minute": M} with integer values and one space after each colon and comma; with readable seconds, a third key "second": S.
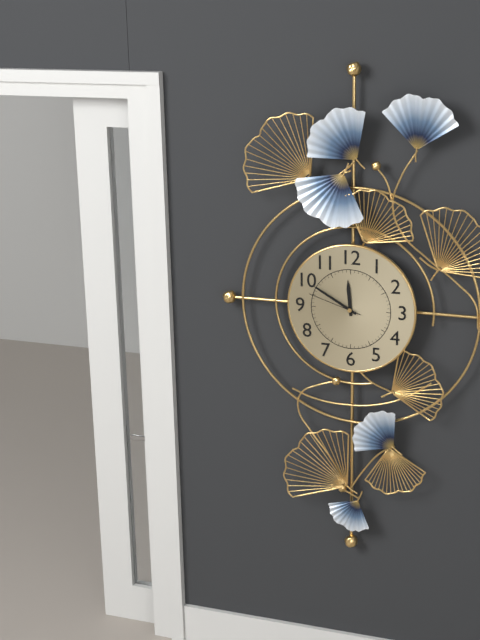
{"hour": 11, "minute": 50, "second": 48}
